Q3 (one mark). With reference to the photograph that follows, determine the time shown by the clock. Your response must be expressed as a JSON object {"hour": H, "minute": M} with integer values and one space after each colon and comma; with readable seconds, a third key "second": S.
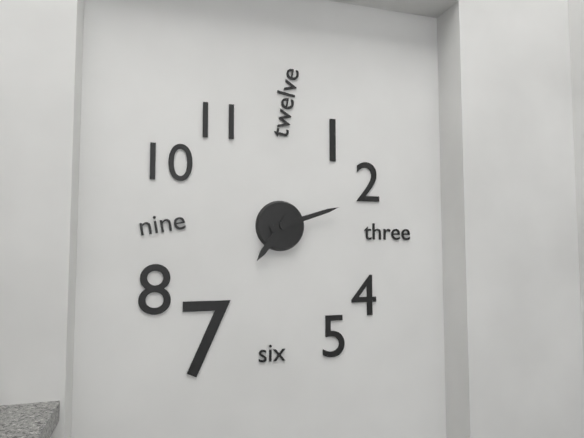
{"hour": 7, "minute": 12}
